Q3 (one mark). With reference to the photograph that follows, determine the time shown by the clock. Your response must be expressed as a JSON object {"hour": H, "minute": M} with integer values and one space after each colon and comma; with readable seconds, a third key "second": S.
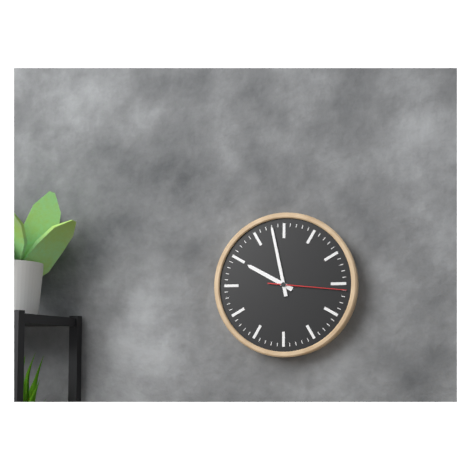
{"hour": 9, "minute": 58, "second": 16}
